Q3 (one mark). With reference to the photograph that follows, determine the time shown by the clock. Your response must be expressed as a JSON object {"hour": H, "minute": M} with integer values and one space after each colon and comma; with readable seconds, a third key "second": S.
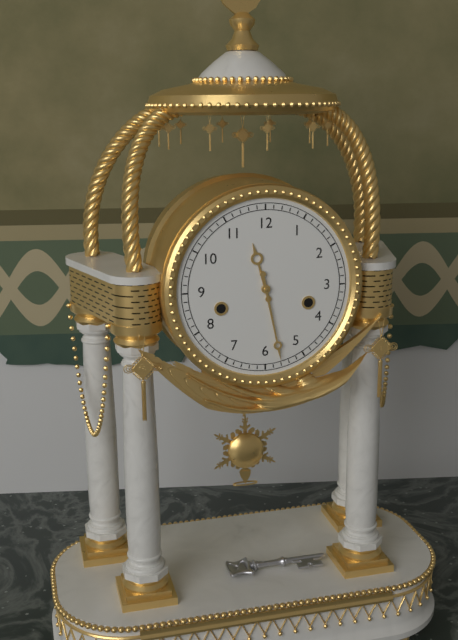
{"hour": 11, "minute": 28}
